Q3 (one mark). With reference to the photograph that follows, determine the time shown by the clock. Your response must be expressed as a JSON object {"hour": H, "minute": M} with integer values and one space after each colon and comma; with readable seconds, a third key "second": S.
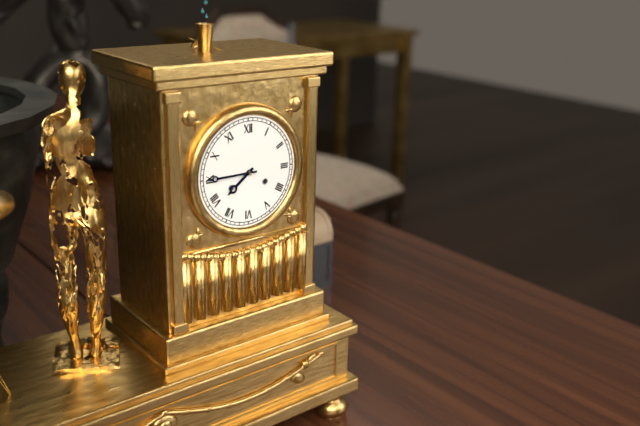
{"hour": 7, "minute": 45}
